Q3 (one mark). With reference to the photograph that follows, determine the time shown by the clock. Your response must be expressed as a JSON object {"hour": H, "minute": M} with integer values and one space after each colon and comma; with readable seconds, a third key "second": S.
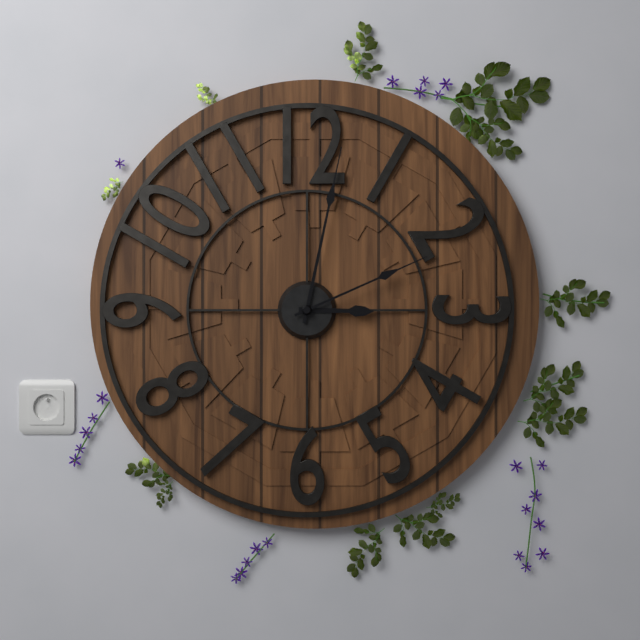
{"hour": 3, "minute": 2, "second": 11}
